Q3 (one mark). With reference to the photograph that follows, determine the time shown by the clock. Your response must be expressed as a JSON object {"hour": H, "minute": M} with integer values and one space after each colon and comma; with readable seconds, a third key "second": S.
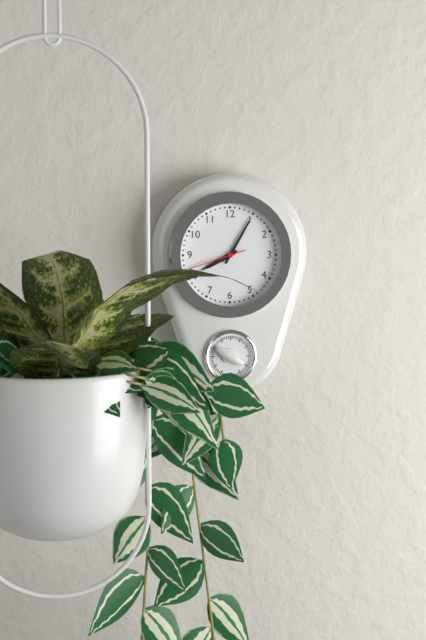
{"hour": 8, "minute": 5, "second": 42}
